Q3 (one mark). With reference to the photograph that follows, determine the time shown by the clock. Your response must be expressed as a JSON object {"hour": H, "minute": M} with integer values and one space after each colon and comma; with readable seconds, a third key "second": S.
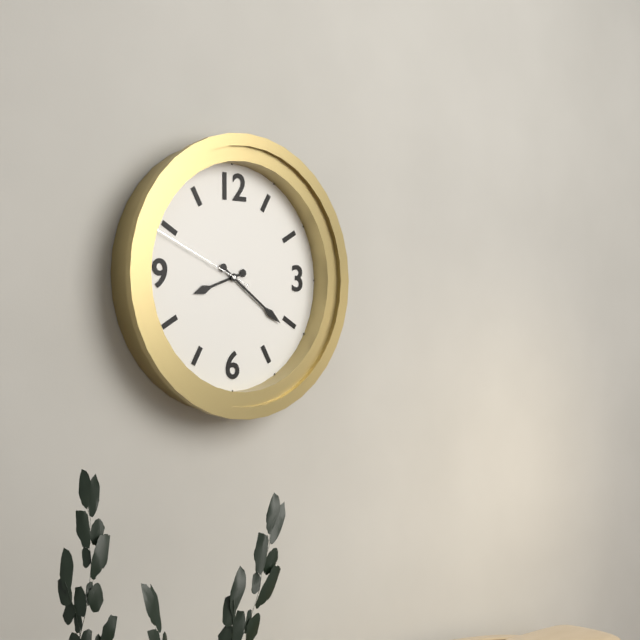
{"hour": 8, "minute": 21, "second": 49}
